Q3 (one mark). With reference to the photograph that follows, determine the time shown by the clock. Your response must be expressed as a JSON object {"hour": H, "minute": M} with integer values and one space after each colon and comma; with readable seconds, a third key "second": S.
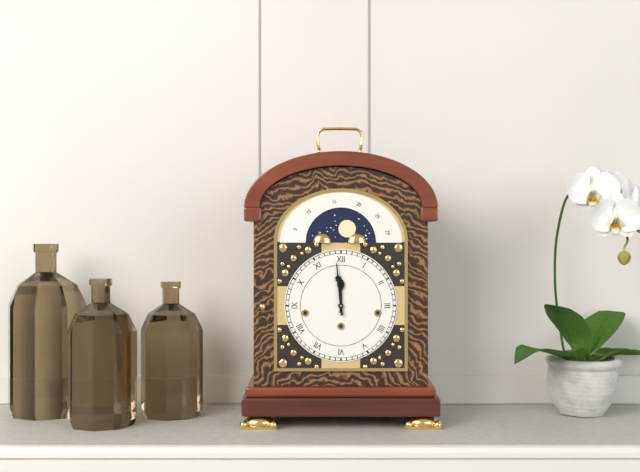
{"hour": 11, "minute": 59}
